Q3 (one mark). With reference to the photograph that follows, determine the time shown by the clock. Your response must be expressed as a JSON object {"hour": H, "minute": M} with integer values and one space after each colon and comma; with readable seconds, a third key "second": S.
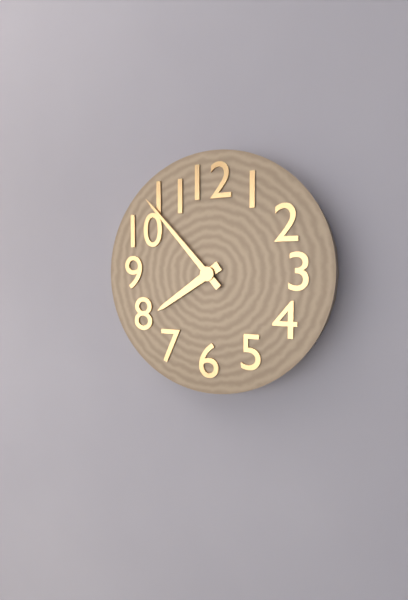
{"hour": 7, "minute": 53}
